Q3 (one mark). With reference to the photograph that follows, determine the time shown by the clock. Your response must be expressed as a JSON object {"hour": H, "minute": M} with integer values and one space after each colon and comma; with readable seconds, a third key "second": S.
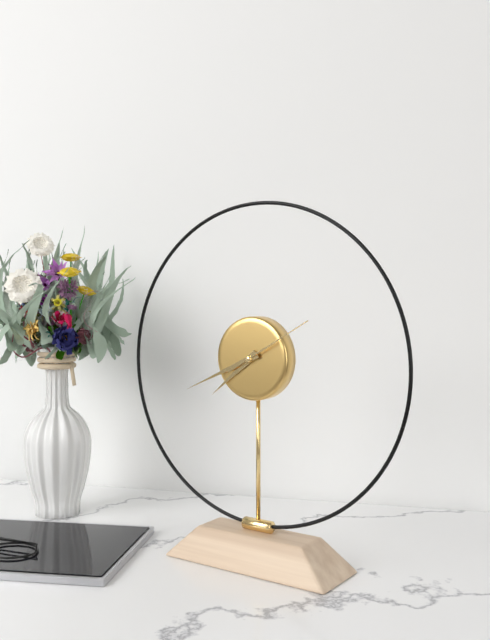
{"hour": 7, "minute": 41, "second": 10}
